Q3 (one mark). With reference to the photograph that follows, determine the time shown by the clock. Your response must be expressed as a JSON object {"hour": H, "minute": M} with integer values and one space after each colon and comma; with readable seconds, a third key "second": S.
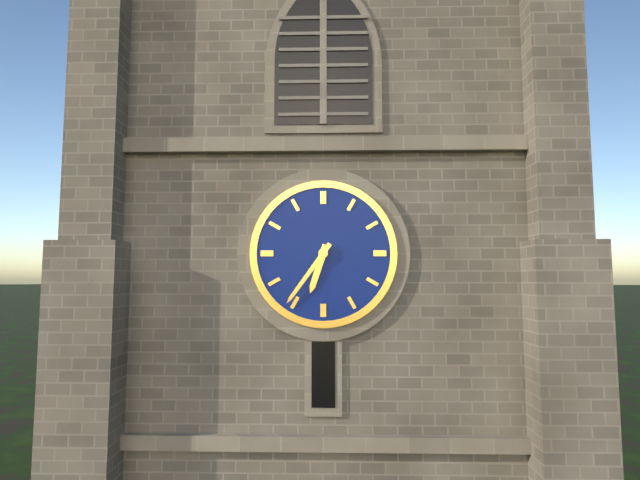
{"hour": 6, "minute": 36}
